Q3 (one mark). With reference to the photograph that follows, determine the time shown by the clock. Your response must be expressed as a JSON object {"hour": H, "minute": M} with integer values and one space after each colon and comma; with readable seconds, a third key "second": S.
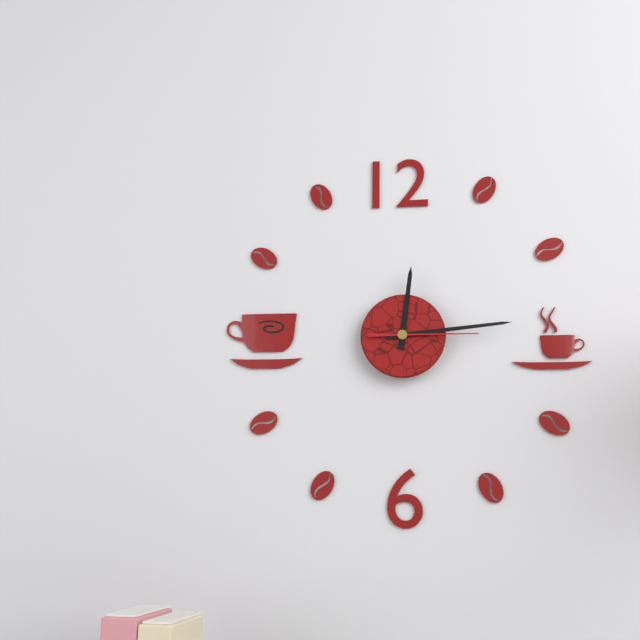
{"hour": 12, "minute": 14, "second": 15}
